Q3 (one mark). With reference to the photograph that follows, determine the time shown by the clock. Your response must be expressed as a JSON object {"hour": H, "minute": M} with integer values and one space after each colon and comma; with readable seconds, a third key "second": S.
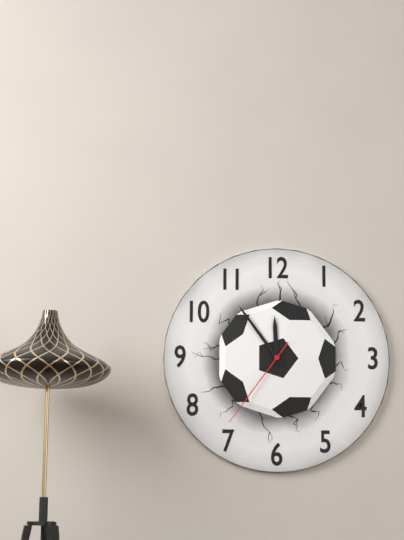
{"hour": 11, "minute": 54, "second": 36}
